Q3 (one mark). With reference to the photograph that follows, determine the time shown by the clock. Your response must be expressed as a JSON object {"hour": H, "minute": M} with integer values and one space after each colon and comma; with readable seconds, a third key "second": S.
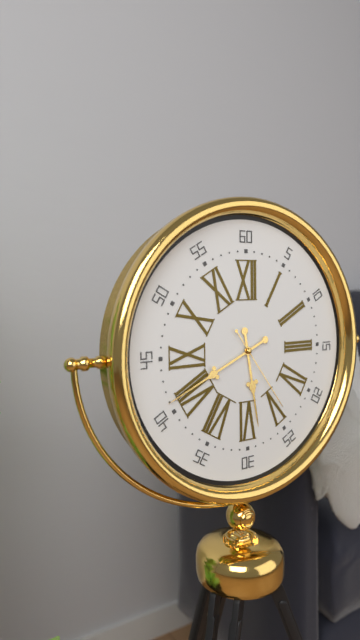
{"hour": 5, "minute": 41, "second": 24}
